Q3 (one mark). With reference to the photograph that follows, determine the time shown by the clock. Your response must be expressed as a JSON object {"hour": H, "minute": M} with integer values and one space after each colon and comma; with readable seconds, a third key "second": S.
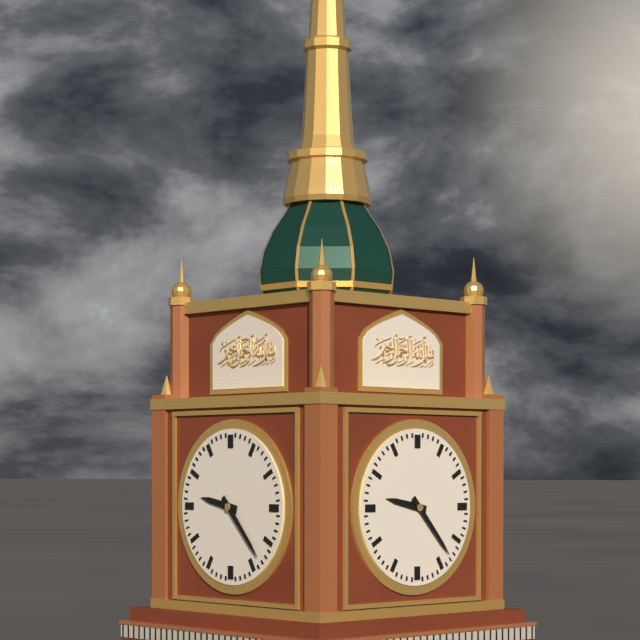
{"hour": 9, "minute": 23}
